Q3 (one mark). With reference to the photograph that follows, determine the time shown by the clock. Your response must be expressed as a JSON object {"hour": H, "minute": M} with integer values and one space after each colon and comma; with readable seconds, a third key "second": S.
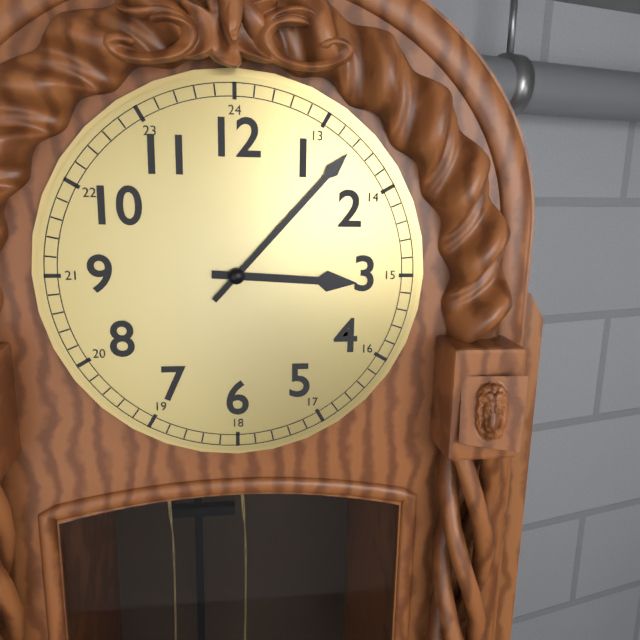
{"hour": 3, "minute": 7}
